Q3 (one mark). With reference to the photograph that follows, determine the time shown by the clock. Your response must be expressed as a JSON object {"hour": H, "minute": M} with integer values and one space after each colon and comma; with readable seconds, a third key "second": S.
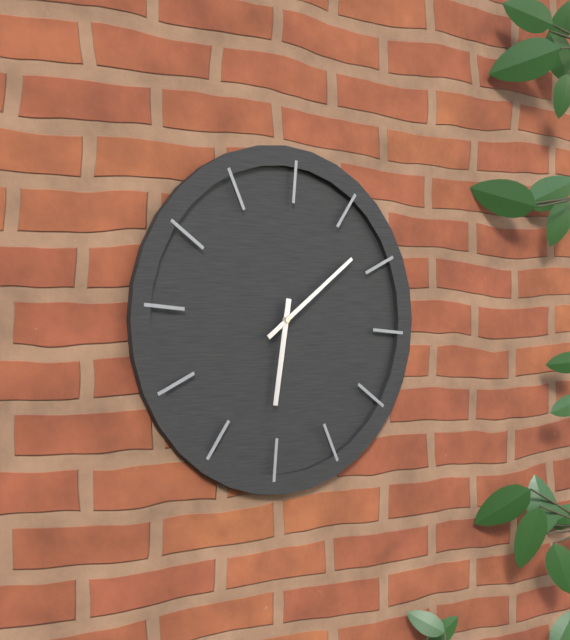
{"hour": 6, "minute": 8}
